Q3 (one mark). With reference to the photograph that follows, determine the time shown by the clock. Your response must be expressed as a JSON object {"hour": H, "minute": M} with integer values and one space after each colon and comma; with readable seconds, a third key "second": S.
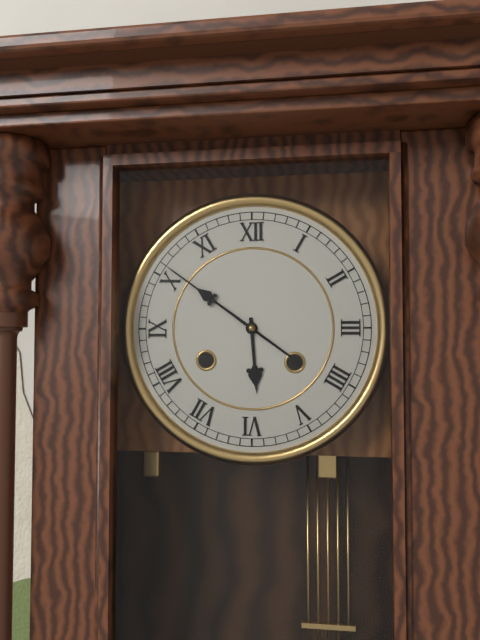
{"hour": 5, "minute": 51}
